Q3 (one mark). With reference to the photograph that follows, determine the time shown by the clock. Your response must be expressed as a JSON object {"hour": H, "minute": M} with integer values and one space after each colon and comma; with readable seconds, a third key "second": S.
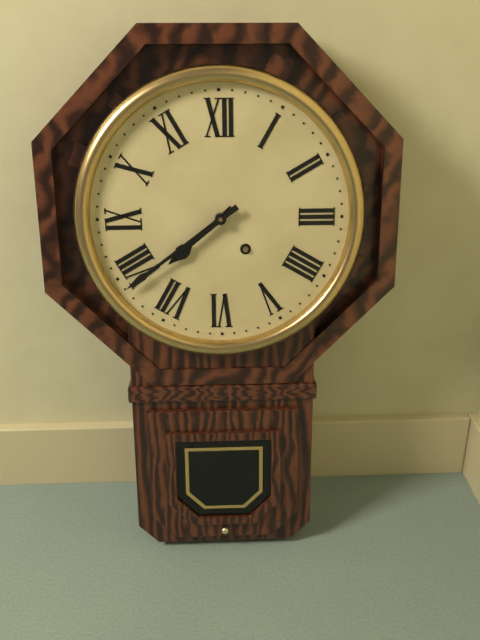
{"hour": 7, "minute": 39}
